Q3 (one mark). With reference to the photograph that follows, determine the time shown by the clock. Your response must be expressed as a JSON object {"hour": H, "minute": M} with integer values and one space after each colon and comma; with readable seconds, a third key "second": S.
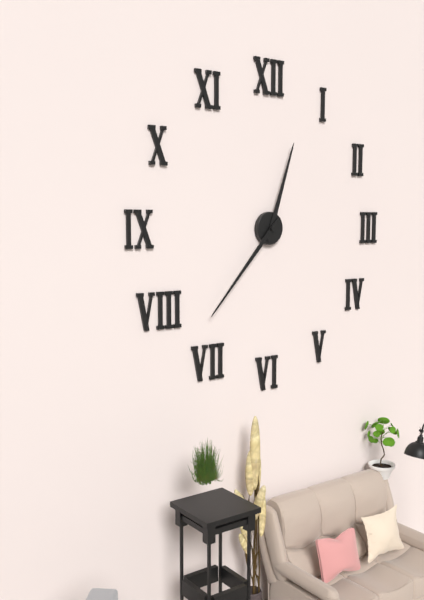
{"hour": 12, "minute": 37}
